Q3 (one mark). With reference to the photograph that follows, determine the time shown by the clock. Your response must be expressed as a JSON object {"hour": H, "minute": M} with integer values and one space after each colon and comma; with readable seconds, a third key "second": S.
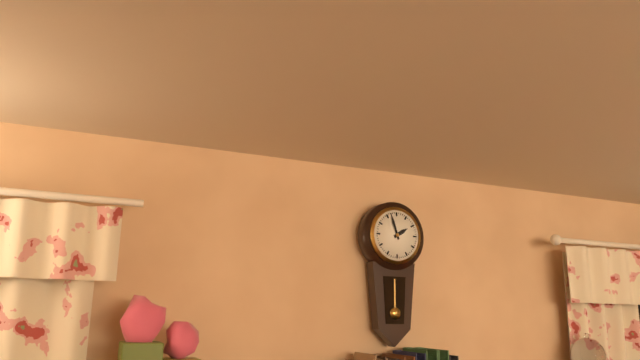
{"hour": 1, "minute": 57}
